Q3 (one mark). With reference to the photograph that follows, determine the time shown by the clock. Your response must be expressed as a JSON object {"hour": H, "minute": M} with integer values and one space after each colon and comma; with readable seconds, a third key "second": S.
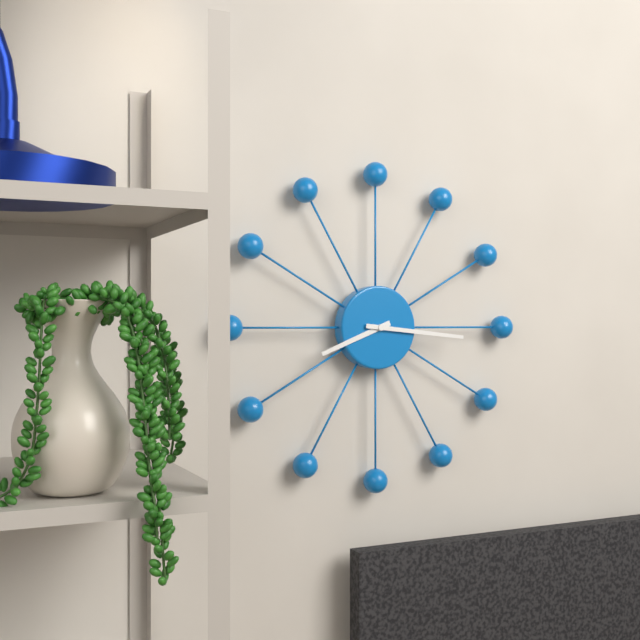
{"hour": 8, "minute": 16}
